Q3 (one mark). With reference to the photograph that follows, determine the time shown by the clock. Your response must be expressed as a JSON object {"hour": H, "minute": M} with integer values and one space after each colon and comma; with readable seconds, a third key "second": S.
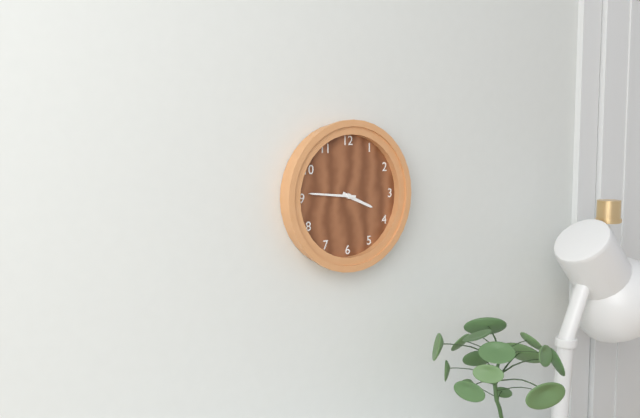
{"hour": 3, "minute": 46}
